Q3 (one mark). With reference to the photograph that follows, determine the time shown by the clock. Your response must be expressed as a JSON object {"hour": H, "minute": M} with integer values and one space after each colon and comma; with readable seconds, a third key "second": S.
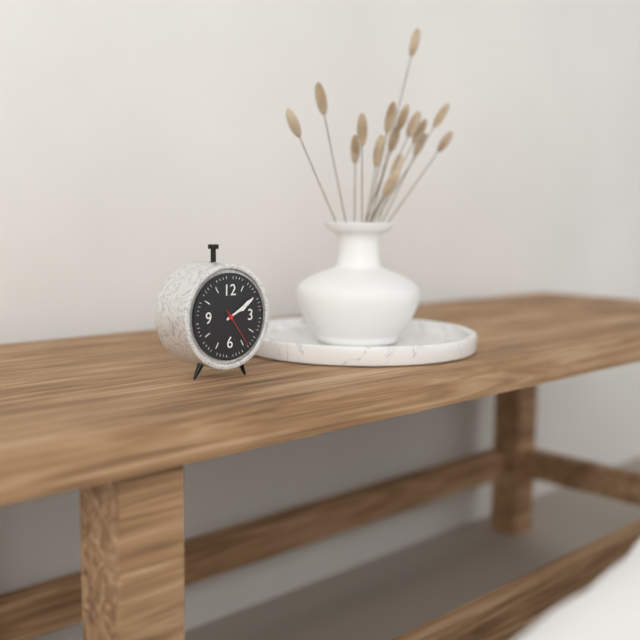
{"hour": 2, "minute": 10}
